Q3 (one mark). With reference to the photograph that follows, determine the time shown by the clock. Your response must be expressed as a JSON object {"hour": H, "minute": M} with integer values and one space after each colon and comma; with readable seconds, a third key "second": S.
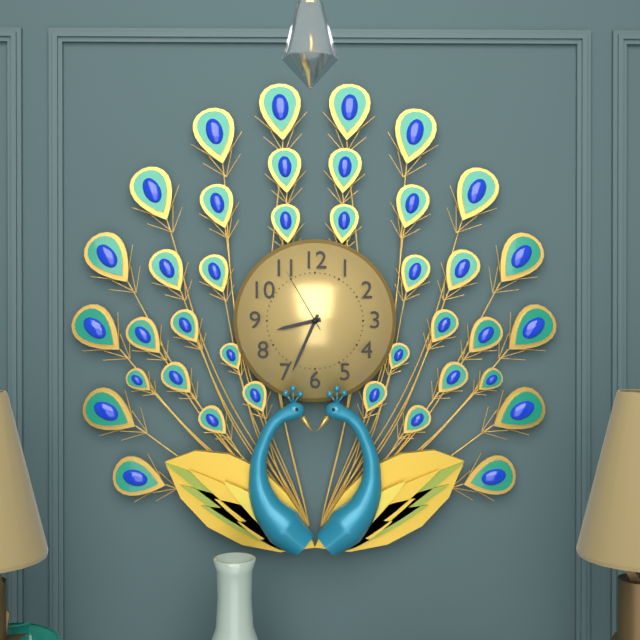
{"hour": 8, "minute": 34, "second": 55}
